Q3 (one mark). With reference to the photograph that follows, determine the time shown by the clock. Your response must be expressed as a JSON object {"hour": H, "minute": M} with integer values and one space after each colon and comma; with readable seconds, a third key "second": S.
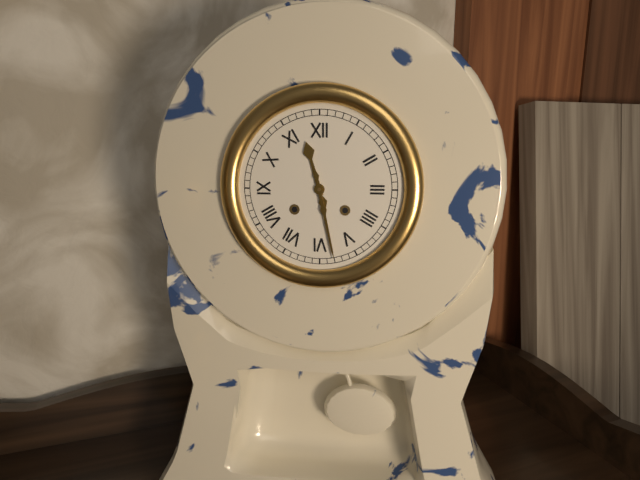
{"hour": 11, "minute": 28}
